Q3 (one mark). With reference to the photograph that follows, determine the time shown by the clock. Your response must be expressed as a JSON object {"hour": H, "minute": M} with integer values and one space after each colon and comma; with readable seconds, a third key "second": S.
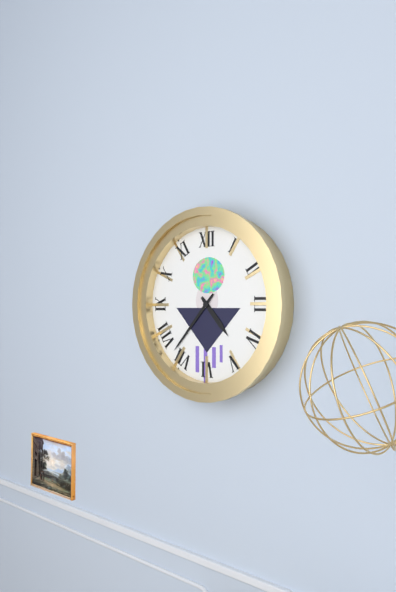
{"hour": 4, "minute": 37}
